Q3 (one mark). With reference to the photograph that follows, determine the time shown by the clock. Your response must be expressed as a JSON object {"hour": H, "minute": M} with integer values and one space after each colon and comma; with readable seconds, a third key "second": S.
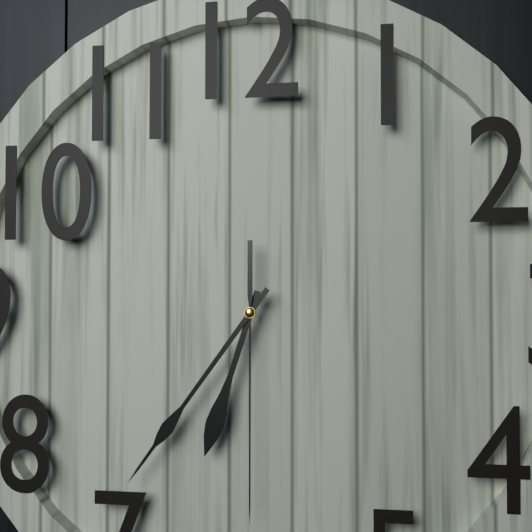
{"hour": 6, "minute": 36, "second": 30}
